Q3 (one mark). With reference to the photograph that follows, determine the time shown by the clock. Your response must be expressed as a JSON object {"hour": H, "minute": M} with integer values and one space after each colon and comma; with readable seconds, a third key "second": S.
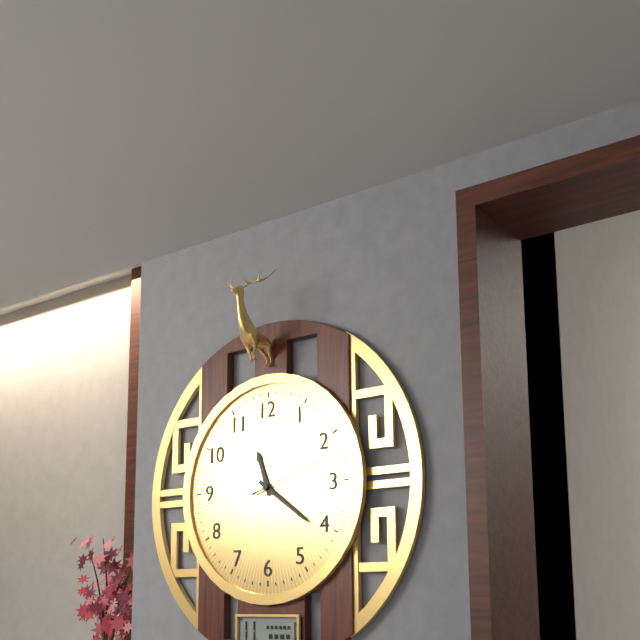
{"hour": 11, "minute": 21, "second": 12}
